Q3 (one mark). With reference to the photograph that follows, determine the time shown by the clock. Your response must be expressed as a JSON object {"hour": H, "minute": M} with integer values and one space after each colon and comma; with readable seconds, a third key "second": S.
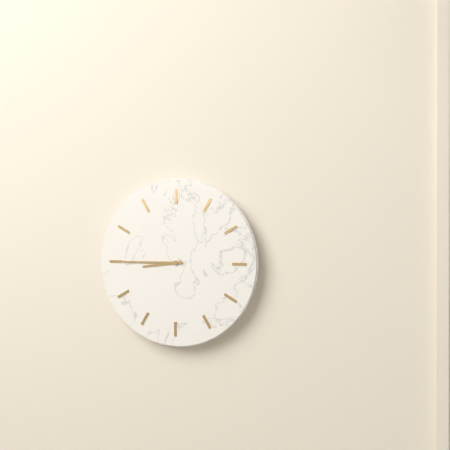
{"hour": 8, "minute": 45}
